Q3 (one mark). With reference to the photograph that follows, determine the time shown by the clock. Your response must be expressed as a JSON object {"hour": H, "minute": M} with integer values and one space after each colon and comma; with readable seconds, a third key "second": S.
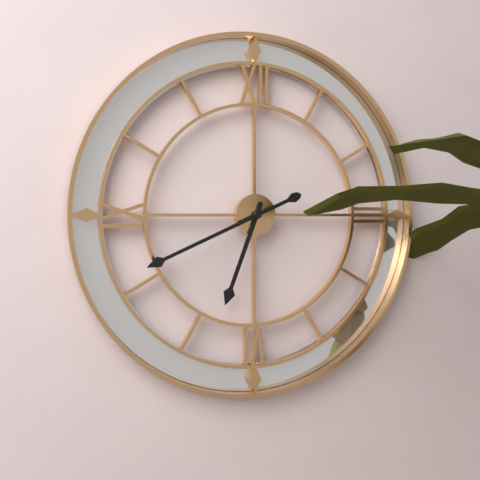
{"hour": 6, "minute": 41}
